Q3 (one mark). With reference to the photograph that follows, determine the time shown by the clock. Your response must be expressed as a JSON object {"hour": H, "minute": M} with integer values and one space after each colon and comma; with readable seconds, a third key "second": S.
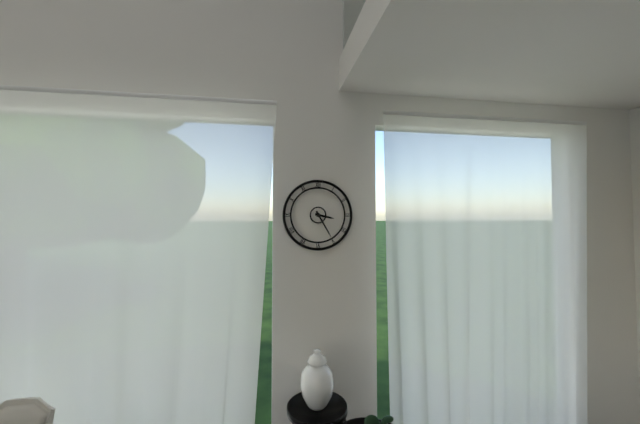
{"hour": 3, "minute": 25}
